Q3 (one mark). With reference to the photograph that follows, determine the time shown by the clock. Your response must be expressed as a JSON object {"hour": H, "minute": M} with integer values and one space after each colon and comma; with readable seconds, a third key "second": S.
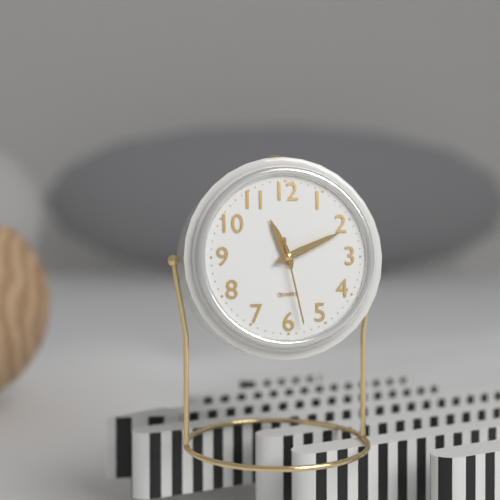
{"hour": 11, "minute": 11, "second": 28}
